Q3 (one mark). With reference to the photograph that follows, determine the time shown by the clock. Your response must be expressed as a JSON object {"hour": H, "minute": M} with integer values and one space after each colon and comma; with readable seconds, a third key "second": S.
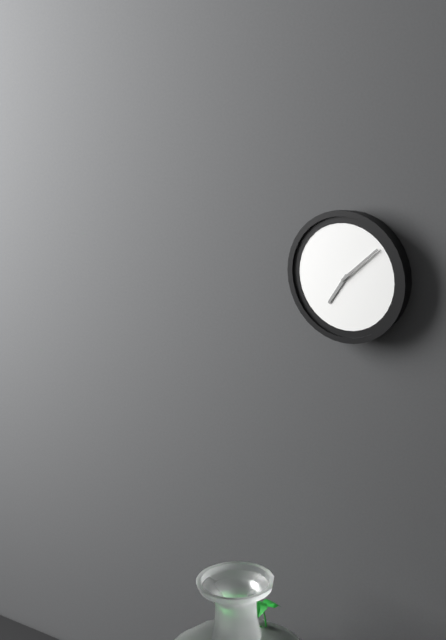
{"hour": 7, "minute": 8}
